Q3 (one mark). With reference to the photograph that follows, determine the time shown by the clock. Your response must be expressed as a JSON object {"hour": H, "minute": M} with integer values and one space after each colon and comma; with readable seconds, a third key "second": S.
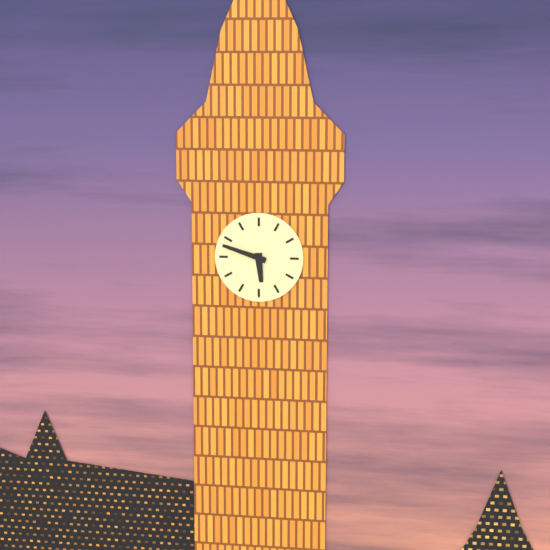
{"hour": 5, "minute": 48}
